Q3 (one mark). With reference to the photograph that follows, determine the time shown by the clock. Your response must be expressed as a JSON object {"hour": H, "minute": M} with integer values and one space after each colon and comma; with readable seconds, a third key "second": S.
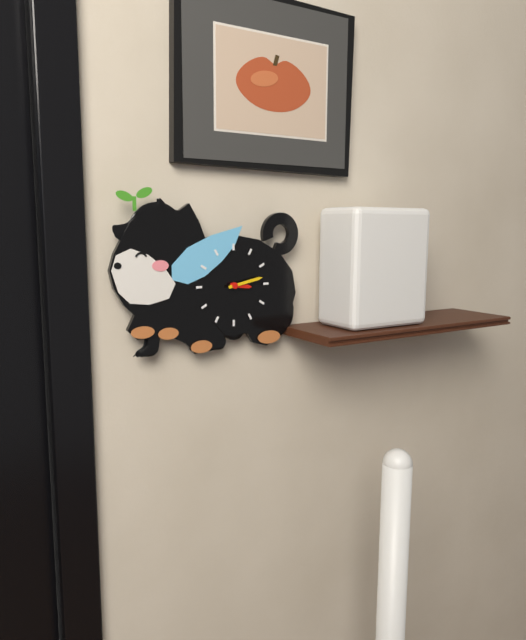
{"hour": 3, "minute": 13}
